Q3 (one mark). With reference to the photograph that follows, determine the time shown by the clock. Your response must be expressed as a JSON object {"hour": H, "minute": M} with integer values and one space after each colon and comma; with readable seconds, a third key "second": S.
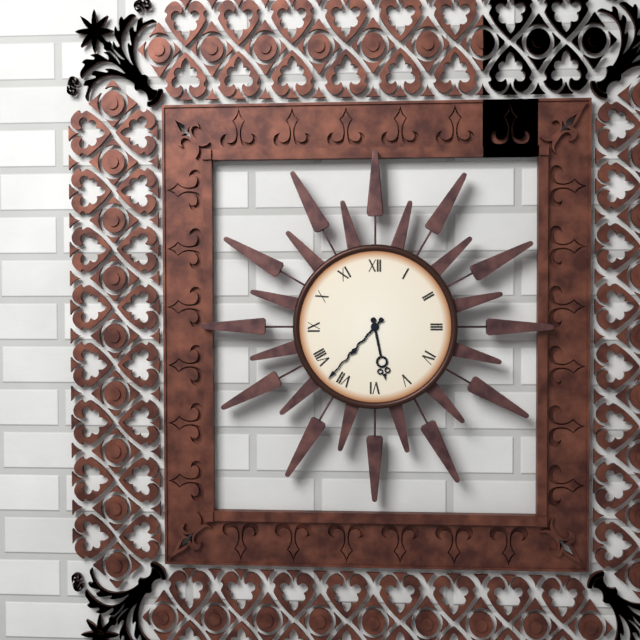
{"hour": 5, "minute": 37}
